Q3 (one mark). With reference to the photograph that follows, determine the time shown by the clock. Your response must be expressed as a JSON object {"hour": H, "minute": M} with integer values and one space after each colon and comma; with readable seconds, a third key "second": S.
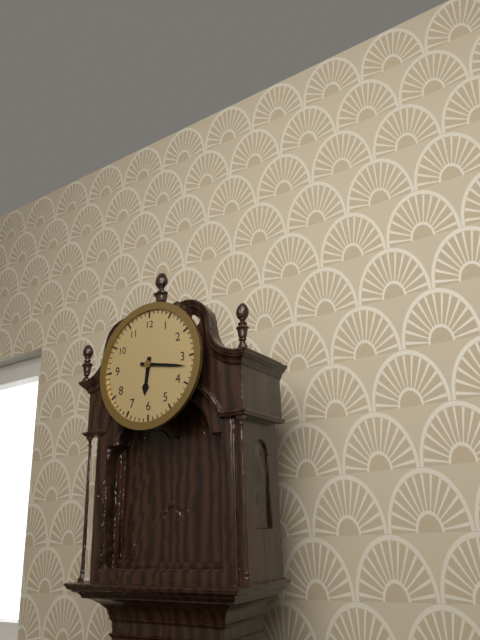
{"hour": 6, "minute": 17}
